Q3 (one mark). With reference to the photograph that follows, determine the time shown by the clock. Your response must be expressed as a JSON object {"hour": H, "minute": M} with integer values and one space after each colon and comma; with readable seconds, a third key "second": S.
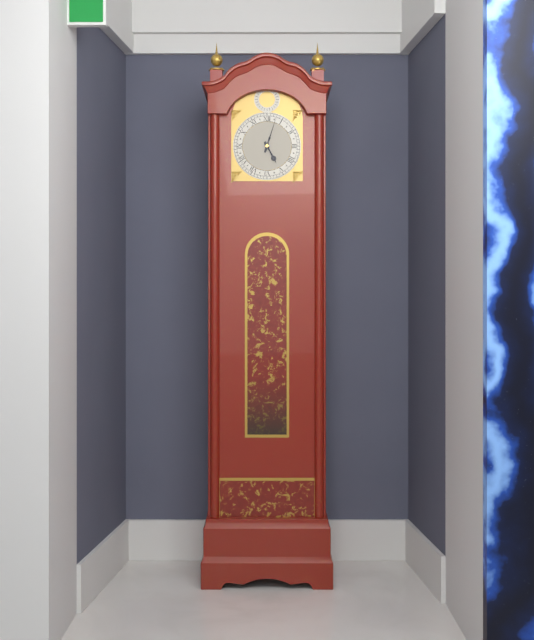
{"hour": 5, "minute": 3}
